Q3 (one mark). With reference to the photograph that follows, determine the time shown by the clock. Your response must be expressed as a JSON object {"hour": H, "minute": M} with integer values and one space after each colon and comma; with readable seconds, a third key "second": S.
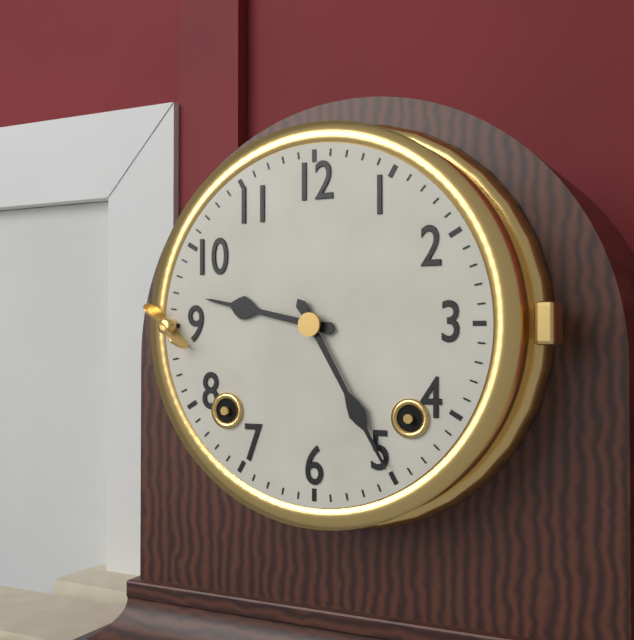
{"hour": 9, "minute": 25}
